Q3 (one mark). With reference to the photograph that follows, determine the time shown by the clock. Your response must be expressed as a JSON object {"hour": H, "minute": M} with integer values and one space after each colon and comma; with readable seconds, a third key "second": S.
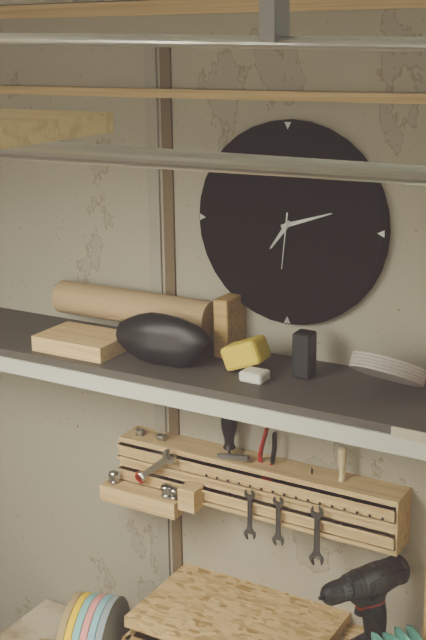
{"hour": 7, "minute": 12, "second": 31}
